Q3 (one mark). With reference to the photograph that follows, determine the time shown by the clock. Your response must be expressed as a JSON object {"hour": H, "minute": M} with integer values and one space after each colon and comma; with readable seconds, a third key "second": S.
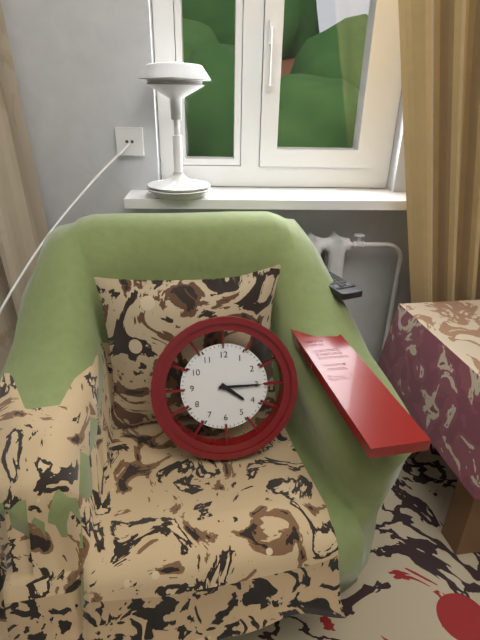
{"hour": 4, "minute": 15}
